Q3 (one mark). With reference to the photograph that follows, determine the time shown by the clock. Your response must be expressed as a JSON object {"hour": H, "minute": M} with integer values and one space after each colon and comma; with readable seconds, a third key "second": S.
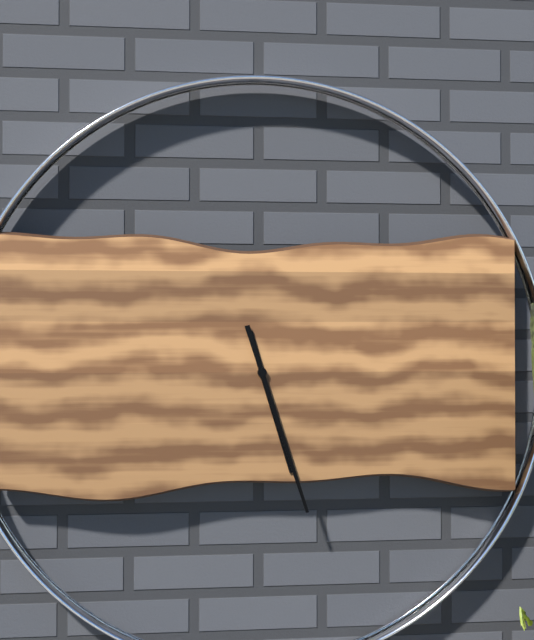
{"hour": 5, "minute": 27}
